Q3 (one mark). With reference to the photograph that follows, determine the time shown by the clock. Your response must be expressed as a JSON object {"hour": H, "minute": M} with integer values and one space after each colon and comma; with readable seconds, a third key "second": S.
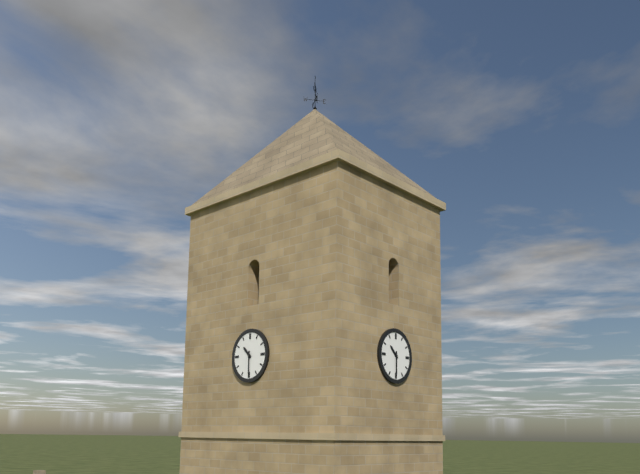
{"hour": 10, "minute": 30}
